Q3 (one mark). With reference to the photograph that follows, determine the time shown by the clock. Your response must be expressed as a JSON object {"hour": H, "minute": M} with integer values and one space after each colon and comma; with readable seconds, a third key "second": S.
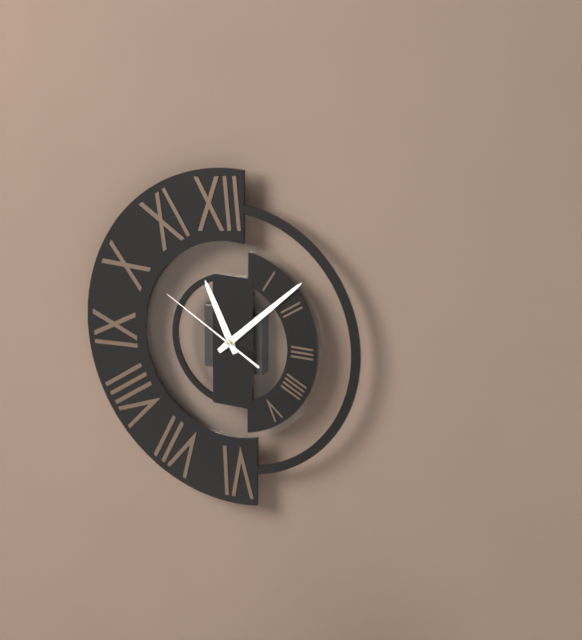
{"hour": 11, "minute": 8, "second": 50}
